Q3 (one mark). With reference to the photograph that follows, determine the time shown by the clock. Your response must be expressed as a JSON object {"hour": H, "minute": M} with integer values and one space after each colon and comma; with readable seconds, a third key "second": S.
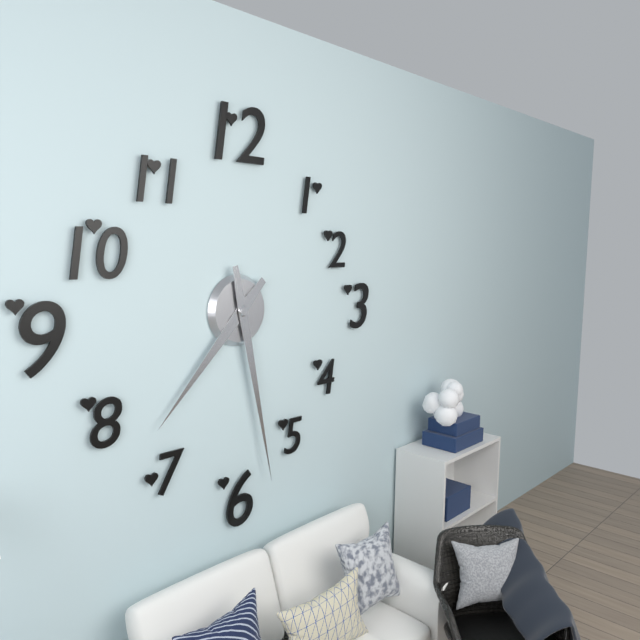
{"hour": 7, "minute": 28}
